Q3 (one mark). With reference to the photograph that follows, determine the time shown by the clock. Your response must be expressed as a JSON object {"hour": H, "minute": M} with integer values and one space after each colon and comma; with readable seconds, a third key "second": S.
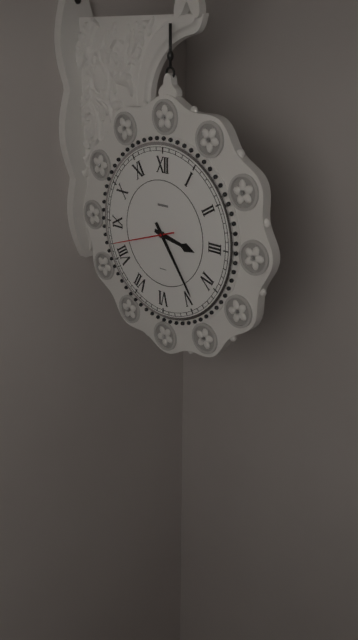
{"hour": 3, "minute": 24, "second": 42}
